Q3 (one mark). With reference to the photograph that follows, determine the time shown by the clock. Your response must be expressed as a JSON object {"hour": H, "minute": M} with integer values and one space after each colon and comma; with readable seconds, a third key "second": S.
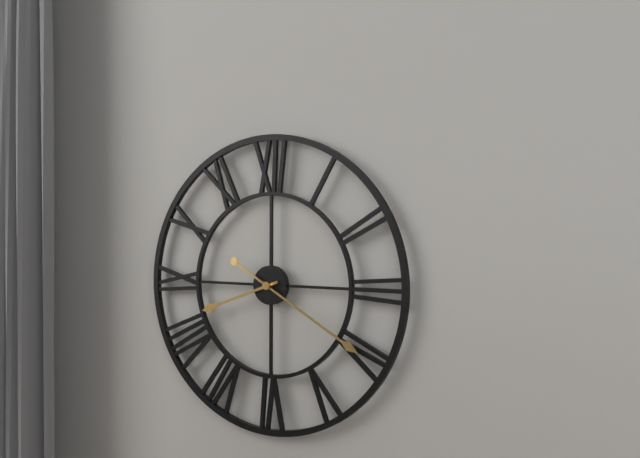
{"hour": 8, "minute": 20}
